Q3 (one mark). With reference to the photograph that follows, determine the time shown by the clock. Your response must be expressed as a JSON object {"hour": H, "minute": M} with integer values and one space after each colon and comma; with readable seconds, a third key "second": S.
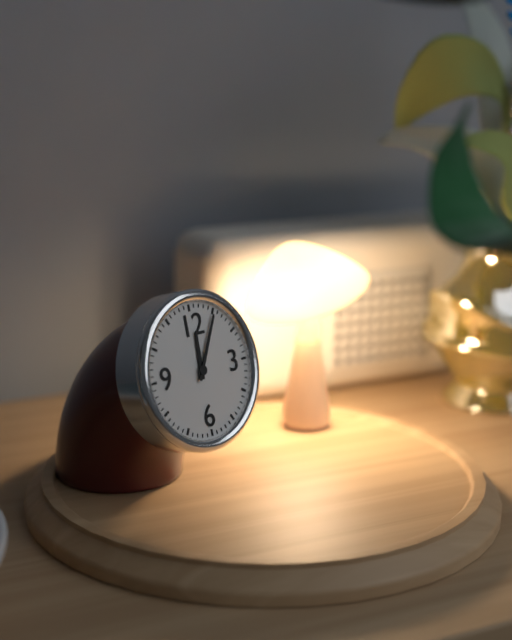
{"hour": 12, "minute": 5}
